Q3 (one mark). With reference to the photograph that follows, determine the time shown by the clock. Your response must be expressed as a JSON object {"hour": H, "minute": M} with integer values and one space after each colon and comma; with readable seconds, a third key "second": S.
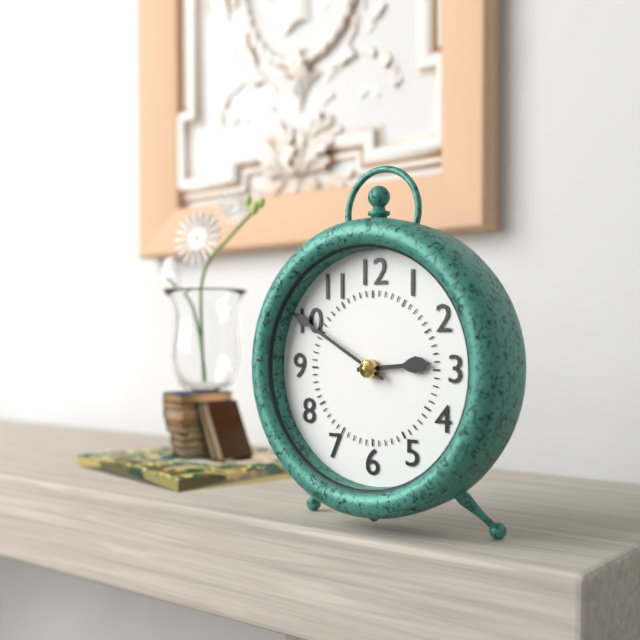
{"hour": 2, "minute": 50}
